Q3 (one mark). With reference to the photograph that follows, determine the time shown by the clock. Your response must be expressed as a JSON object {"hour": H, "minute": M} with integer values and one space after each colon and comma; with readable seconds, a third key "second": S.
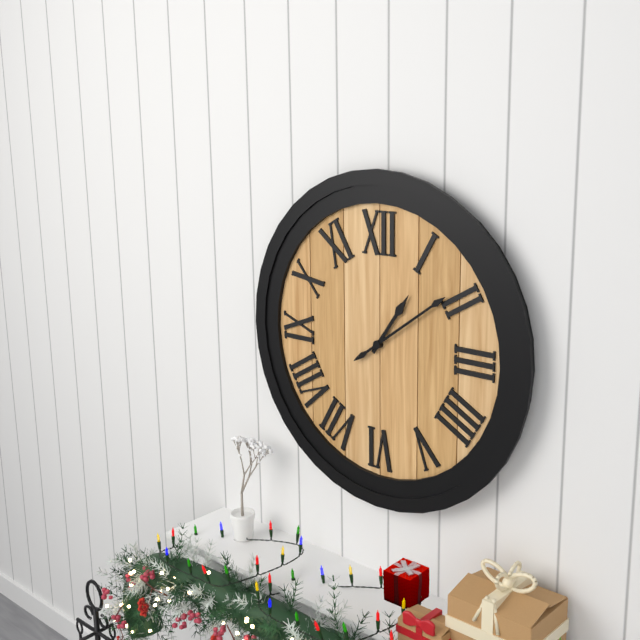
{"hour": 1, "minute": 9}
